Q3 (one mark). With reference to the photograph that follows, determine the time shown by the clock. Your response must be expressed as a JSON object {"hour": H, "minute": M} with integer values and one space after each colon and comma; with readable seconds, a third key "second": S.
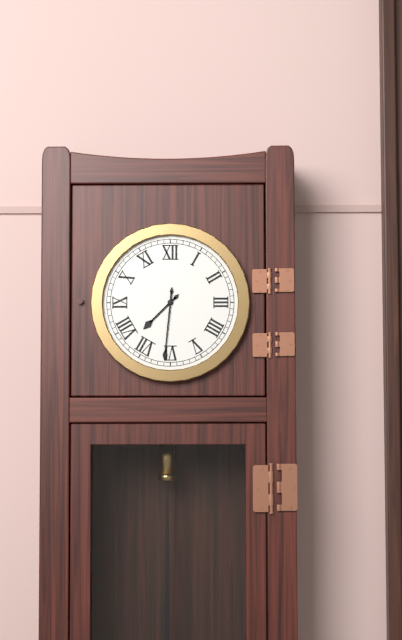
{"hour": 7, "minute": 31}
